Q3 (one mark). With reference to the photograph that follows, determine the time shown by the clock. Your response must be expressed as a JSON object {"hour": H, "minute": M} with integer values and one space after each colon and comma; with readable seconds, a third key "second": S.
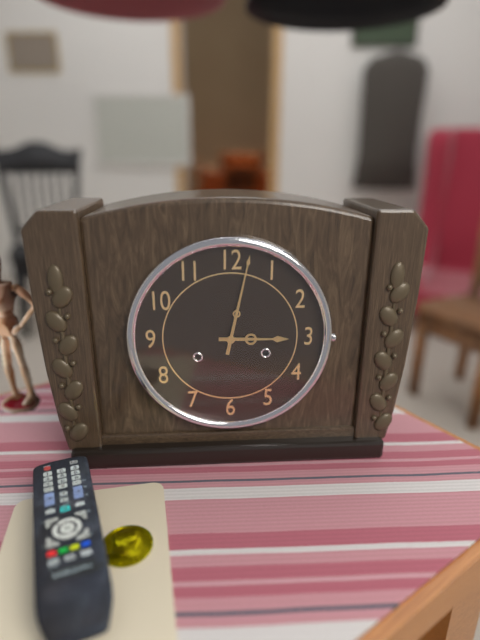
{"hour": 3, "minute": 2}
